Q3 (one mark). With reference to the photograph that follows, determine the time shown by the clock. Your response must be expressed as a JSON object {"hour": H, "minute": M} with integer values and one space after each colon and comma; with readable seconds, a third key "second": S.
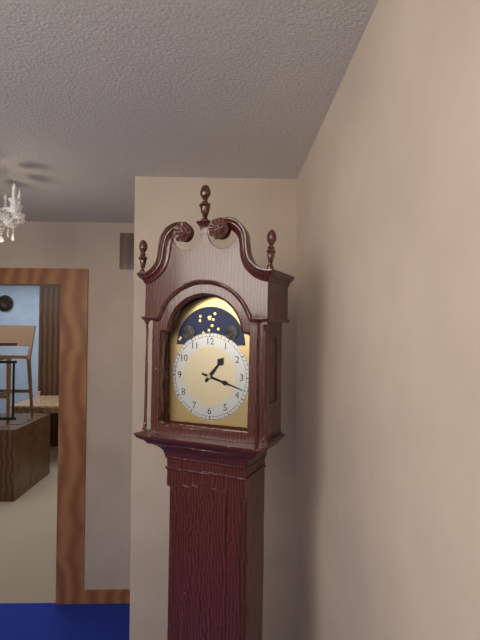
{"hour": 1, "minute": 18}
